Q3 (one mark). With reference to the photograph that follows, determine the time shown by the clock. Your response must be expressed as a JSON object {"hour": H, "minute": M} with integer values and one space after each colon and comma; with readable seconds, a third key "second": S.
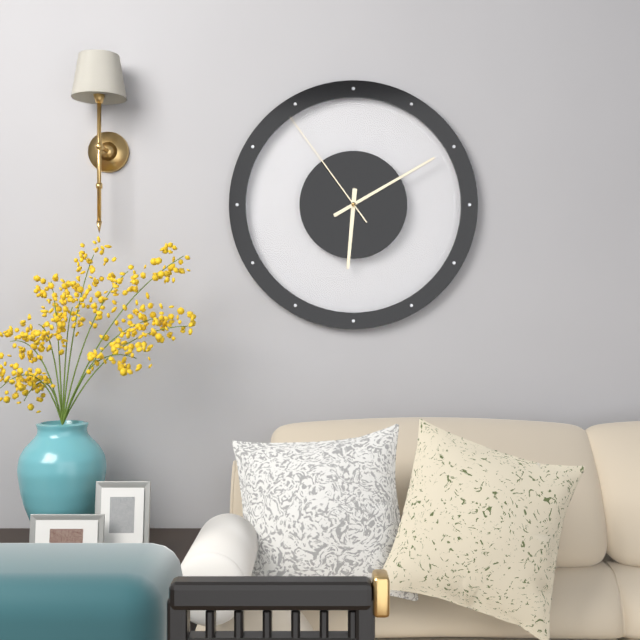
{"hour": 6, "minute": 10, "second": 54}
